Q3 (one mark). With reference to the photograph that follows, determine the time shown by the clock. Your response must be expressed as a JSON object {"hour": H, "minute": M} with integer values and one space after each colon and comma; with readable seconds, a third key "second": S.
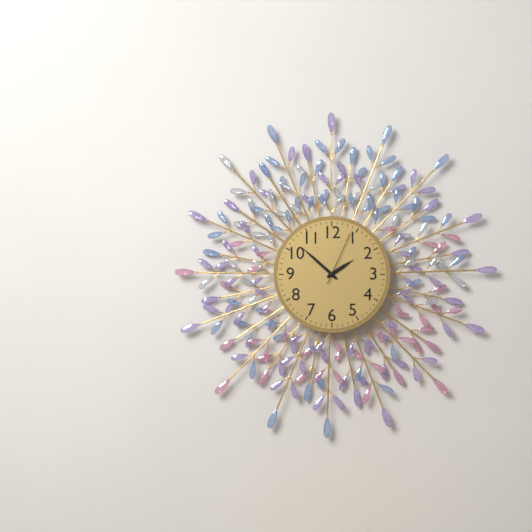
{"hour": 1, "minute": 52, "second": 4}
